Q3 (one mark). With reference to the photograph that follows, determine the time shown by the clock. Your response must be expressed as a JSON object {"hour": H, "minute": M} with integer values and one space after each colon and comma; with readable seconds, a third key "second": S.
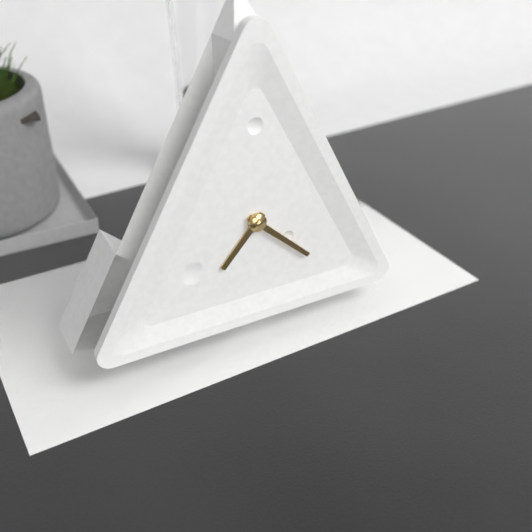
{"hour": 7, "minute": 22}
